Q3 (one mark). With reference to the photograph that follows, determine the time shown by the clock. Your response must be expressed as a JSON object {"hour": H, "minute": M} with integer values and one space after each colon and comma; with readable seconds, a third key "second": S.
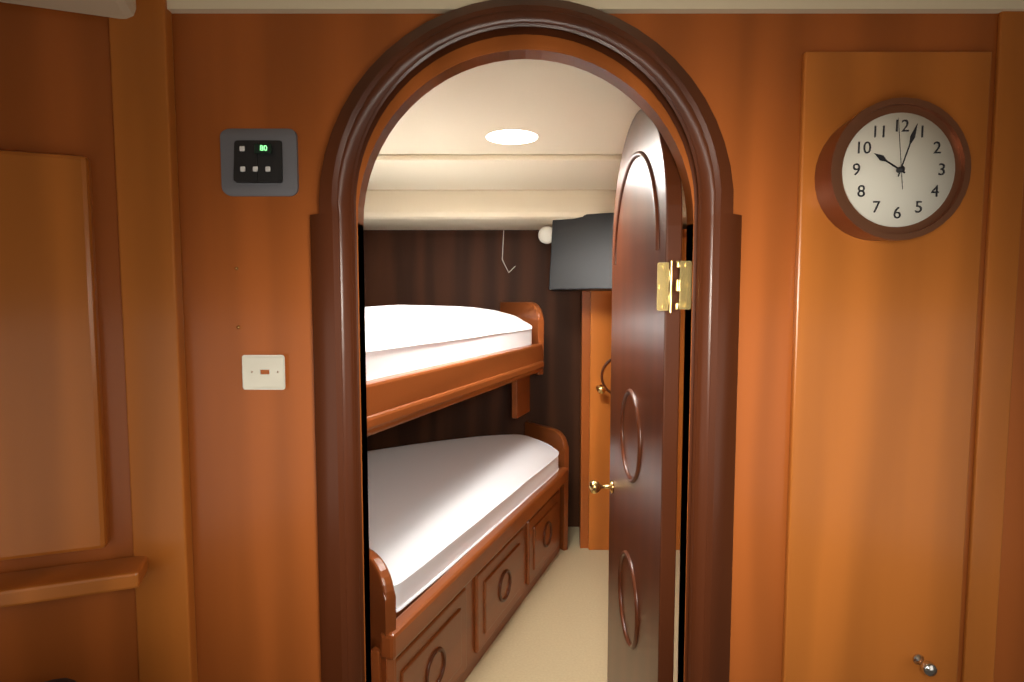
{"hour": 10, "minute": 3, "second": 59}
